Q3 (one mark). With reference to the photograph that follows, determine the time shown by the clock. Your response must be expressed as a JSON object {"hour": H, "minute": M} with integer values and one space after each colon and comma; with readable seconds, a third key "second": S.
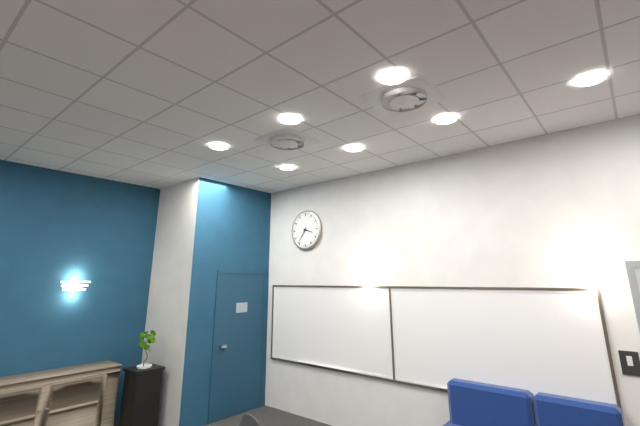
{"hour": 3, "minute": 36}
